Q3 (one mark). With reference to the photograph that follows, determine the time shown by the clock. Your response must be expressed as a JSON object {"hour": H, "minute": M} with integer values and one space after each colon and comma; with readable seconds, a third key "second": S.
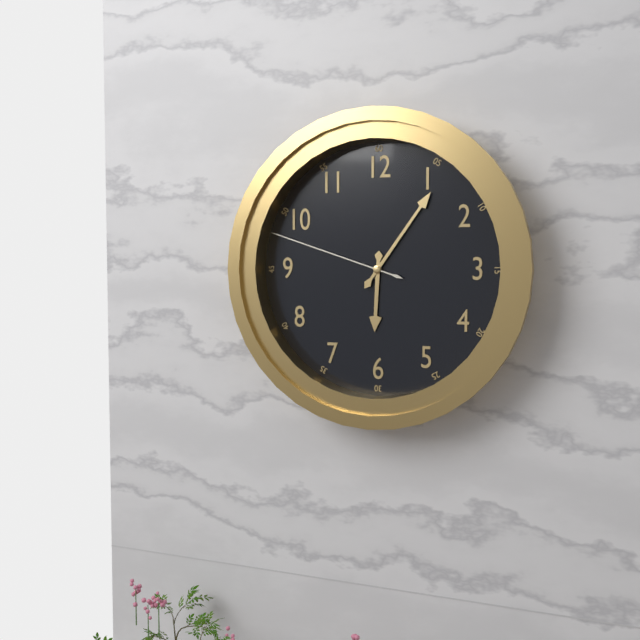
{"hour": 6, "minute": 6, "second": 48}
